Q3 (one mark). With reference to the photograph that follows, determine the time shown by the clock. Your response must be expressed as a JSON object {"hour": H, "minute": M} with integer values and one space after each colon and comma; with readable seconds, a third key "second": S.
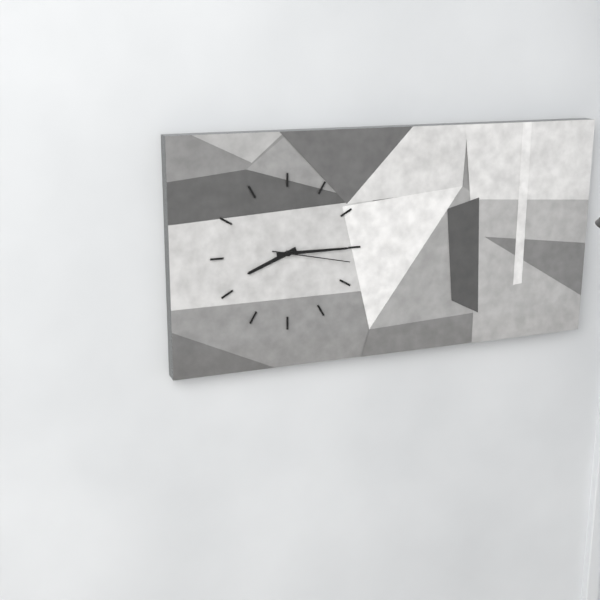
{"hour": 8, "minute": 15, "second": 17}
